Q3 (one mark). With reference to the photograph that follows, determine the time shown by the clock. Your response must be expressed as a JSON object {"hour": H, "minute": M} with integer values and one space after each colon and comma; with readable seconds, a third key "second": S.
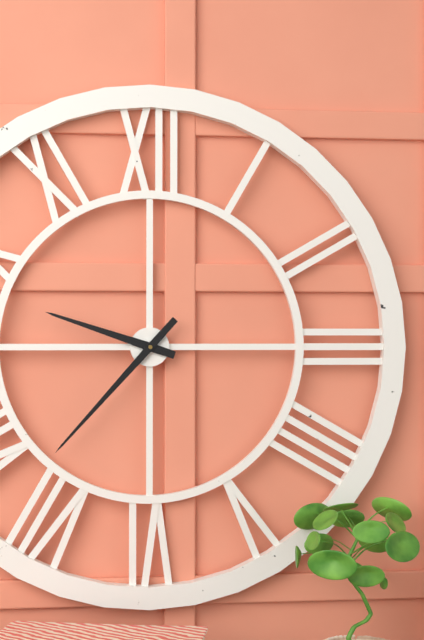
{"hour": 9, "minute": 37}
